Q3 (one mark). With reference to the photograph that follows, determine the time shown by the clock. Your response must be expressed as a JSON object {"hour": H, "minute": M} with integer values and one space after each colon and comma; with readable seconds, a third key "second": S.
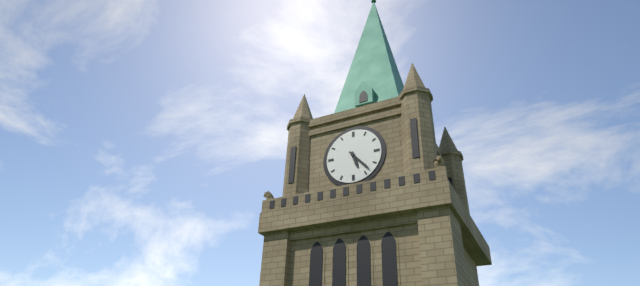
{"hour": 5, "minute": 23}
